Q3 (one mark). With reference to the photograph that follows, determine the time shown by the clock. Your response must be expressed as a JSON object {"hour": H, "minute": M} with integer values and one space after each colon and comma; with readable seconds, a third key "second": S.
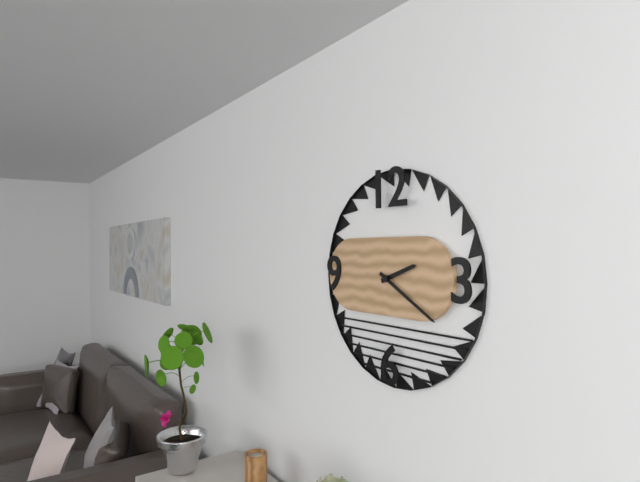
{"hour": 2, "minute": 20}
